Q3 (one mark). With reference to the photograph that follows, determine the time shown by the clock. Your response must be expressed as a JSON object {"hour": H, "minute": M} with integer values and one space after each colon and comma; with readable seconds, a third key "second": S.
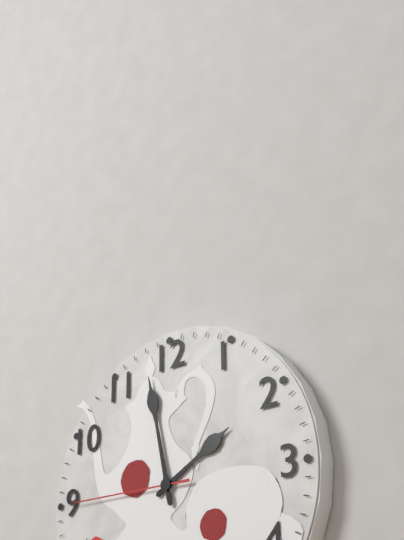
{"hour": 1, "minute": 58, "second": 45}
